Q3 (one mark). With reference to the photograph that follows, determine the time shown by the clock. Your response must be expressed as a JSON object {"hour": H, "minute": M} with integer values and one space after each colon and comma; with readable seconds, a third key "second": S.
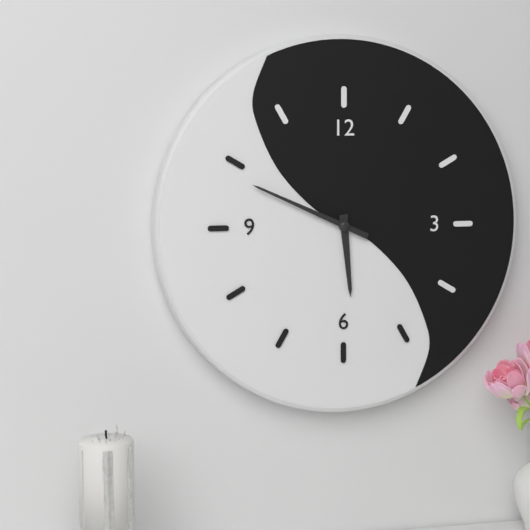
{"hour": 5, "minute": 49}
